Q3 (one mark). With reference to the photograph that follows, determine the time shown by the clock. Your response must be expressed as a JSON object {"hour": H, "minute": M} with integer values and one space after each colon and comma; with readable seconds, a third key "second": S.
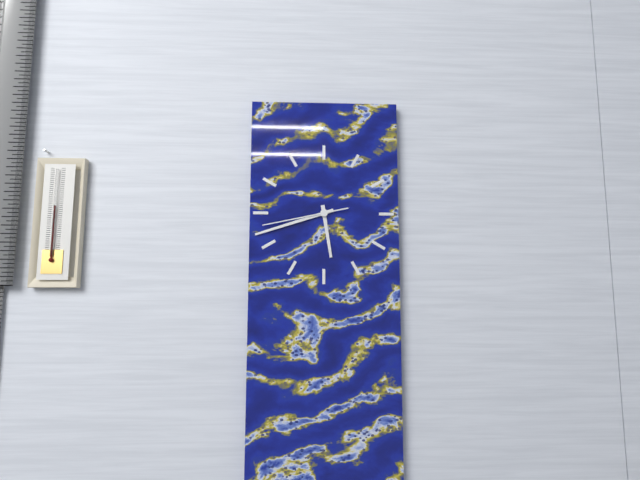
{"hour": 5, "minute": 42, "second": 43}
